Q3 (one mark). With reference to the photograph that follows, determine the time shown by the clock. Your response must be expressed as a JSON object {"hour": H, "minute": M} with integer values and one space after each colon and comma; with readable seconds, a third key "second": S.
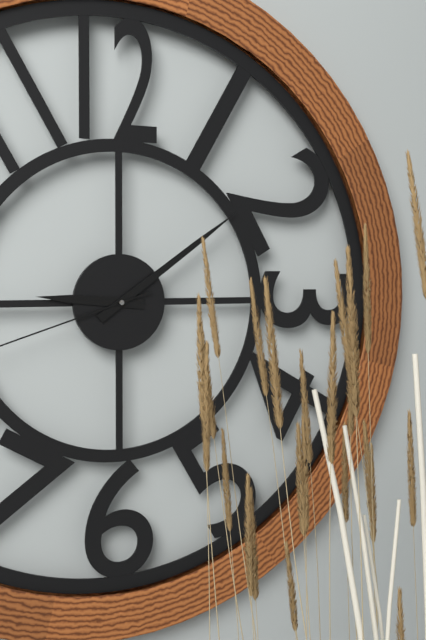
{"hour": 9, "minute": 9}
